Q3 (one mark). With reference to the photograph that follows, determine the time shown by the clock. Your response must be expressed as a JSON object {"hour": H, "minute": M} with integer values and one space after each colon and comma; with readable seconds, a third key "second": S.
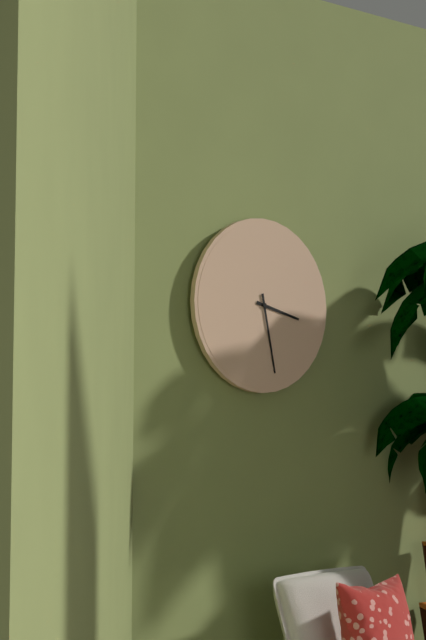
{"hour": 3, "minute": 28}
